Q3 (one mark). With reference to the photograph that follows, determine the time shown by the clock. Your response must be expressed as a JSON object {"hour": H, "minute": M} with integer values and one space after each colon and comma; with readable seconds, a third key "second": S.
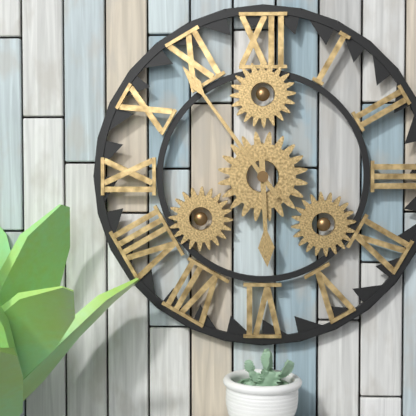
{"hour": 5, "minute": 54}
